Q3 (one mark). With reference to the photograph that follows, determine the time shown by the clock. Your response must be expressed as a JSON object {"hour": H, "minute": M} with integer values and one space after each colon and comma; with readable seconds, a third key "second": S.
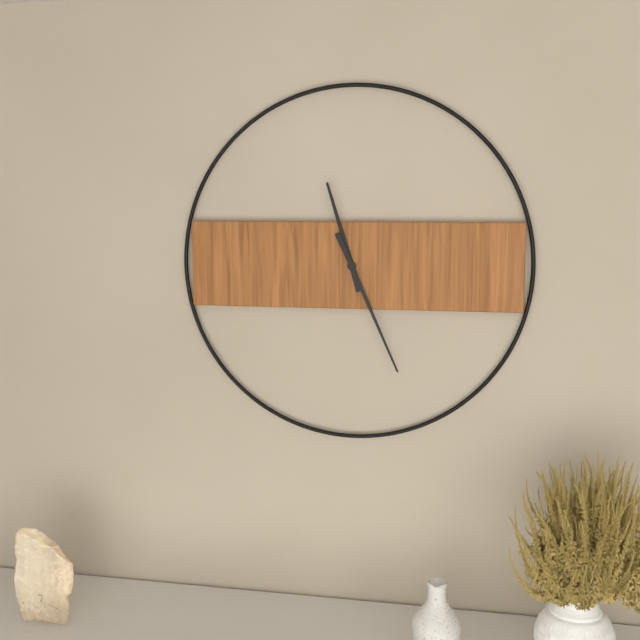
{"hour": 11, "minute": 26}
